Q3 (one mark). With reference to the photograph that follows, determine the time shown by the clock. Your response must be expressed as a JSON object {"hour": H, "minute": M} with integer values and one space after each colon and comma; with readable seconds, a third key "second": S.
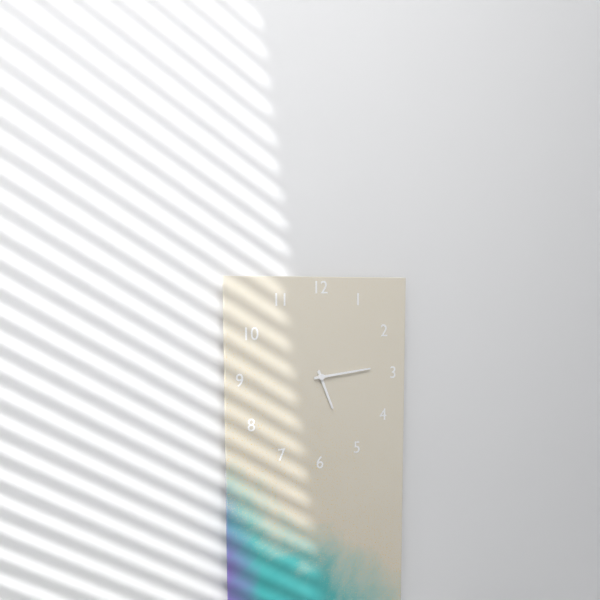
{"hour": 5, "minute": 14}
